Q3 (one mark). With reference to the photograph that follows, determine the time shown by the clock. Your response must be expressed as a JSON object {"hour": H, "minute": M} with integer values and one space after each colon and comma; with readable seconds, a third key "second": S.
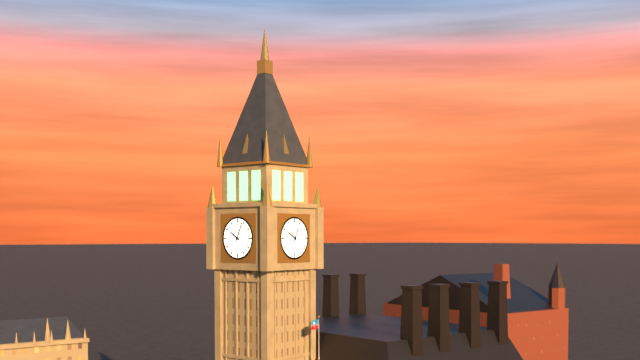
{"hour": 10, "minute": 4}
